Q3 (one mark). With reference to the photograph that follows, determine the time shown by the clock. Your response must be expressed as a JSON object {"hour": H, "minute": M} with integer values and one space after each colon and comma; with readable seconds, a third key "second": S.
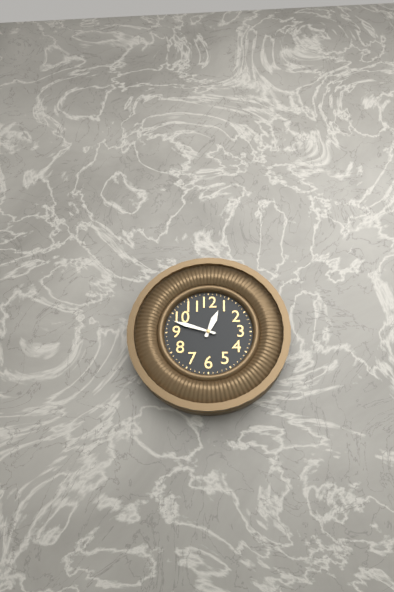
{"hour": 12, "minute": 48}
